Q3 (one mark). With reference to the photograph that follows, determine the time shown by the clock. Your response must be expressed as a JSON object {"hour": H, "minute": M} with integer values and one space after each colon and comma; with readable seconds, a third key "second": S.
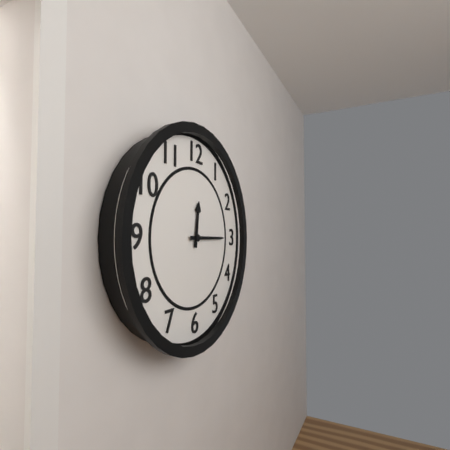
{"hour": 12, "minute": 15}
